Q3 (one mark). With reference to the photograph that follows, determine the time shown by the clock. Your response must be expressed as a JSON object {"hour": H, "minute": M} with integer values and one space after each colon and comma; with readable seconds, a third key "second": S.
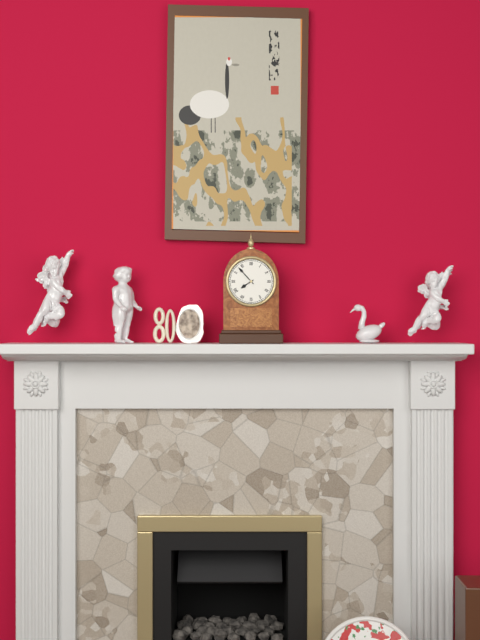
{"hour": 7, "minute": 53}
